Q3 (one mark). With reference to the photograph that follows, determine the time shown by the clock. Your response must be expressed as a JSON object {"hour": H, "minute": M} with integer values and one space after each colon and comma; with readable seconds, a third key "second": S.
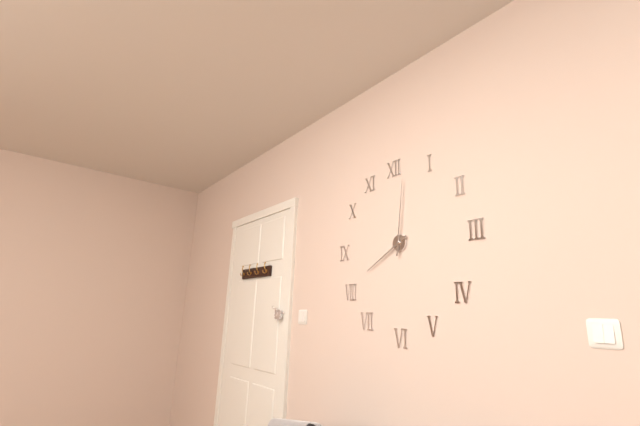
{"hour": 8, "minute": 1}
